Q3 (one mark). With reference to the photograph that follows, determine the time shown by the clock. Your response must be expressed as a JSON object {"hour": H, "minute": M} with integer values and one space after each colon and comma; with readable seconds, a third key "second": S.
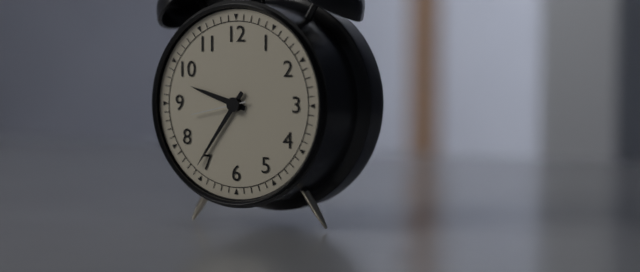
{"hour": 9, "minute": 36, "second": 43}
